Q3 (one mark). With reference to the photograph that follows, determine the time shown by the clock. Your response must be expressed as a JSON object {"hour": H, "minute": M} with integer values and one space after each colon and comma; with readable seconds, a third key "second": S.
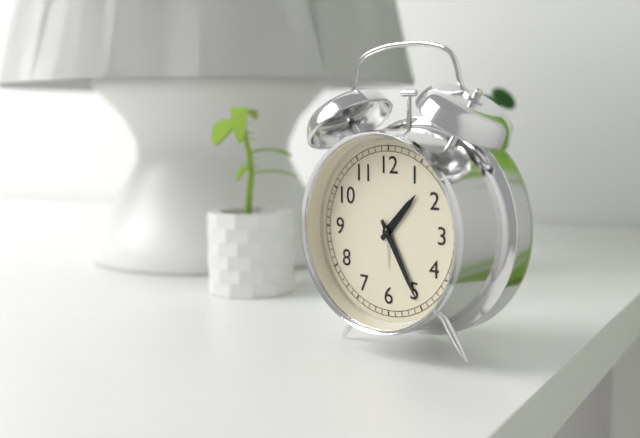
{"hour": 1, "minute": 25}
